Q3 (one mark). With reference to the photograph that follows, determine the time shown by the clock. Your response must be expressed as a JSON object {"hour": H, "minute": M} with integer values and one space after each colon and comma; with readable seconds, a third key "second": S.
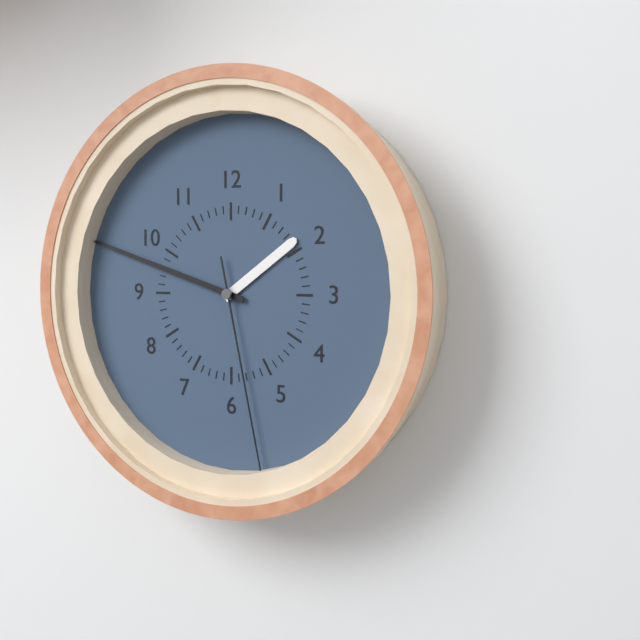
{"hour": 1, "minute": 48, "second": 28}
